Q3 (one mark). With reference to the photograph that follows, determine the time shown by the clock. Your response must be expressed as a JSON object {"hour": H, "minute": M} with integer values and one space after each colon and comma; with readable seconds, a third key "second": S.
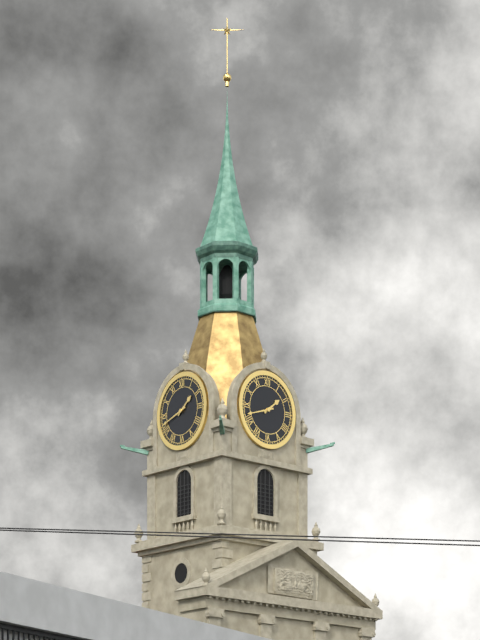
{"hour": 1, "minute": 42}
